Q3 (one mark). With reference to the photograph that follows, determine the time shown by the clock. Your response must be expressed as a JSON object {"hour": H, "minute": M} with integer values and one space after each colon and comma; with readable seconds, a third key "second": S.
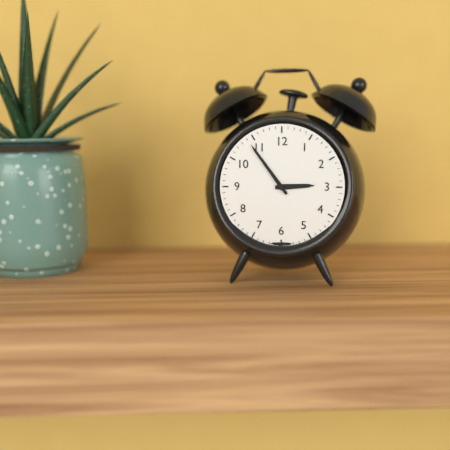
{"hour": 2, "minute": 54}
